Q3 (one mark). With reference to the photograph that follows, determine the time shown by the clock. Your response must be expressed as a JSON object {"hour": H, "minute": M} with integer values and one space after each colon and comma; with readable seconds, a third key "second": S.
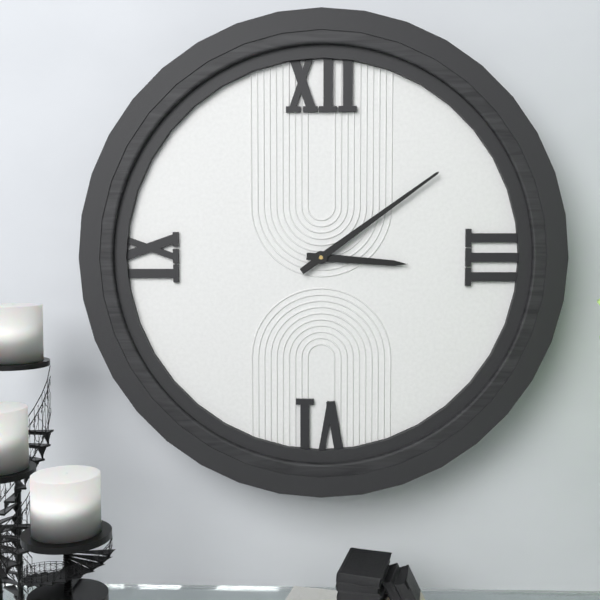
{"hour": 3, "minute": 9}
